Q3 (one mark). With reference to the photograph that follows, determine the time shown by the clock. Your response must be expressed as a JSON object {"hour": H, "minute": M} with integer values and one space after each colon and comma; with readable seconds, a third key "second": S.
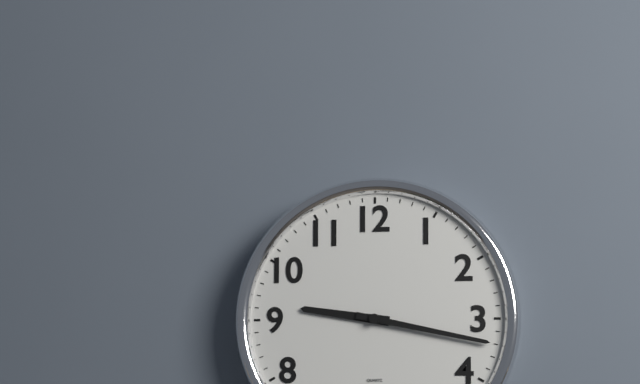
{"hour": 9, "minute": 17}
